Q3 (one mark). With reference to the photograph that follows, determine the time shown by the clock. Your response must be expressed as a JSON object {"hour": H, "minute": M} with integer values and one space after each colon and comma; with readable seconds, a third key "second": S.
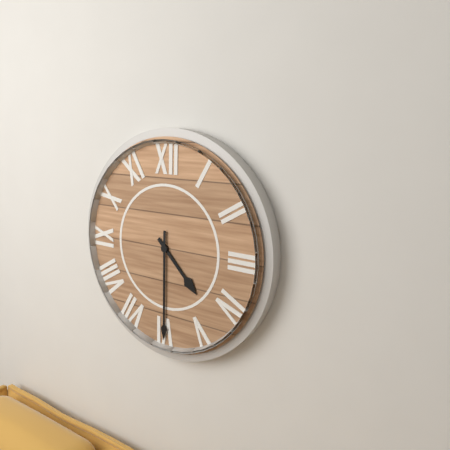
{"hour": 4, "minute": 30}
